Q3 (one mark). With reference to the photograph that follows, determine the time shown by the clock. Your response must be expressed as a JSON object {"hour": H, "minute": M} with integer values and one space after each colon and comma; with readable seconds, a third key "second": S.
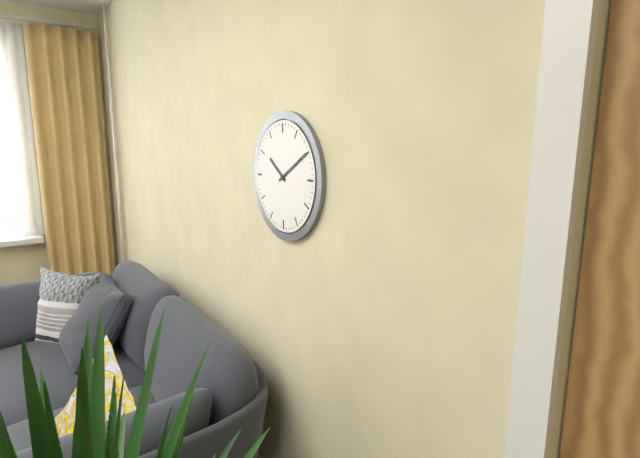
{"hour": 10, "minute": 10}
